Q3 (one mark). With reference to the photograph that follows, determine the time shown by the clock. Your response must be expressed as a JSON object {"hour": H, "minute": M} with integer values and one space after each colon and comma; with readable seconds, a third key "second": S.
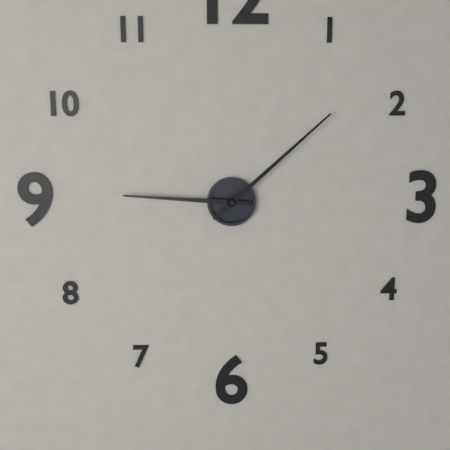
{"hour": 9, "minute": 8}
